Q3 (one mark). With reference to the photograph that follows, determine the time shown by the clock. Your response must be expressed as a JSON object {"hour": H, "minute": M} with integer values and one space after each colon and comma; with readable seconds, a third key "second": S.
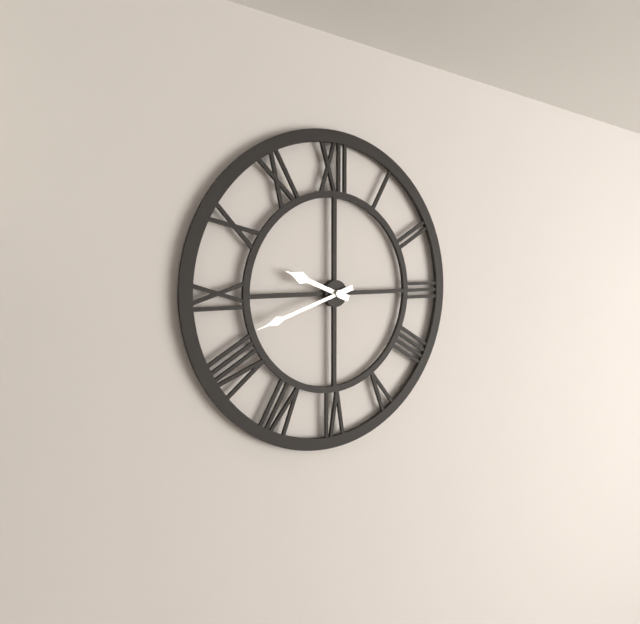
{"hour": 9, "minute": 42}
